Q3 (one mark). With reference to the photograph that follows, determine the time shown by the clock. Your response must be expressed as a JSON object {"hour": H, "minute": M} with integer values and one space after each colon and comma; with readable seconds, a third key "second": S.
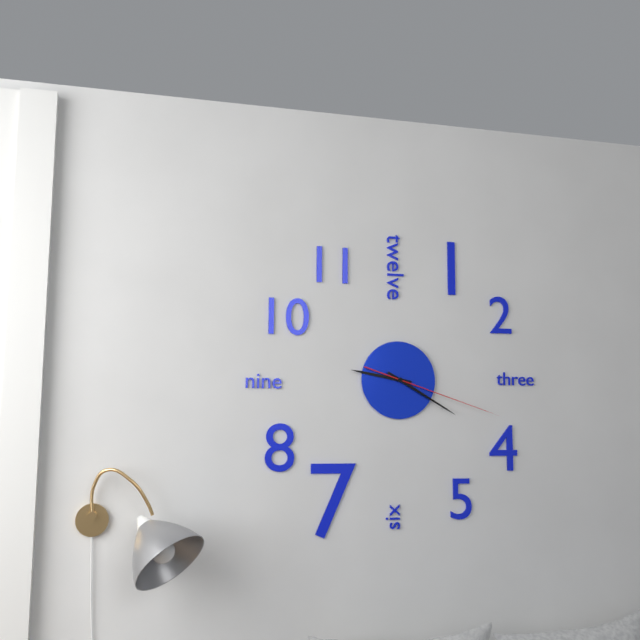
{"hour": 9, "minute": 20, "second": 18}
